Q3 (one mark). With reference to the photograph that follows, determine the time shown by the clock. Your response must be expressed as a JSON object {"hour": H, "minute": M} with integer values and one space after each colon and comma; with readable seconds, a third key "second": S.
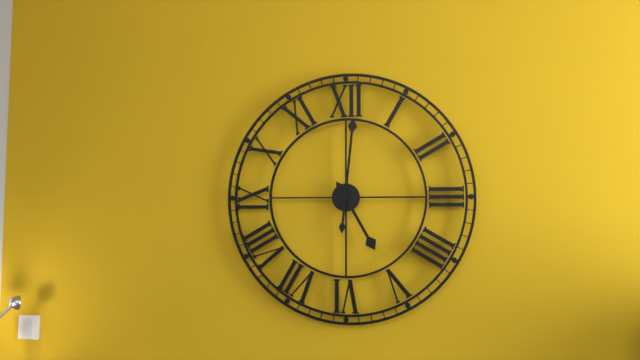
{"hour": 5, "minute": 1}
